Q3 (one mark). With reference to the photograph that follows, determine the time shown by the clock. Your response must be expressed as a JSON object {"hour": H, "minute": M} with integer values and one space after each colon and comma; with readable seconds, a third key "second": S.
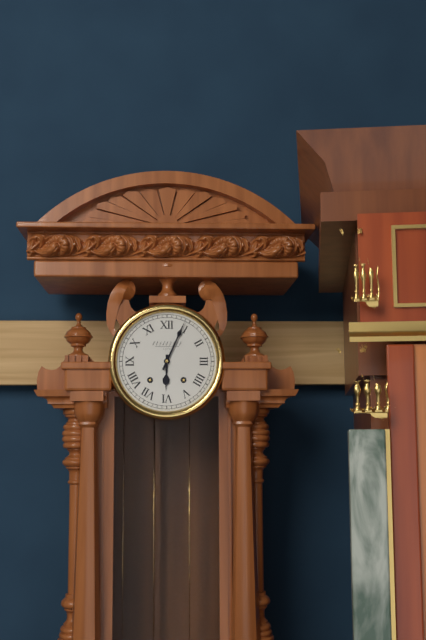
{"hour": 6, "minute": 4}
